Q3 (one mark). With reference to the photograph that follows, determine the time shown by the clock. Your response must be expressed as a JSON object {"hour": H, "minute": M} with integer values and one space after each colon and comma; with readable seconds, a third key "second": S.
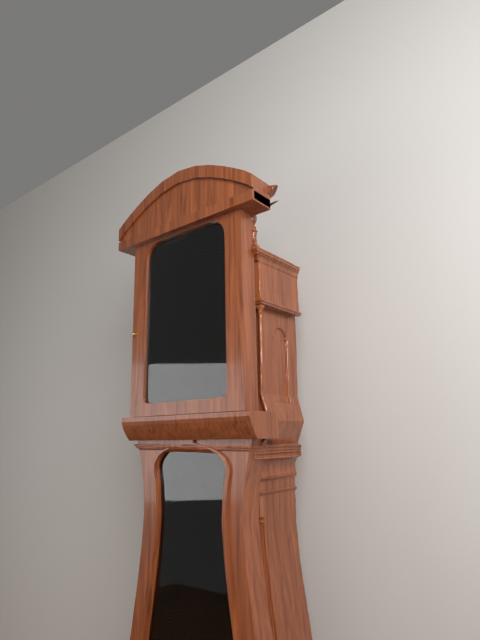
{"hour": 11, "minute": 4}
